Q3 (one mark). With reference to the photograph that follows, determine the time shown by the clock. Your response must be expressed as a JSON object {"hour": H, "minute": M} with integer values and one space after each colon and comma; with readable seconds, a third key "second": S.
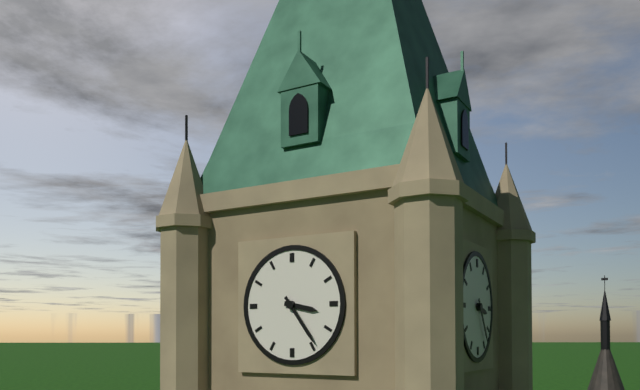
{"hour": 3, "minute": 24}
